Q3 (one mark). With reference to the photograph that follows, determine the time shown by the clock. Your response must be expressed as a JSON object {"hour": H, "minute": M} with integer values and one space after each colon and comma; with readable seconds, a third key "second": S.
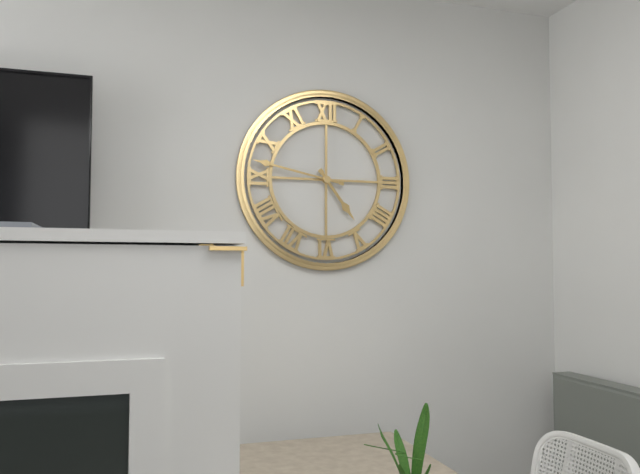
{"hour": 4, "minute": 47}
